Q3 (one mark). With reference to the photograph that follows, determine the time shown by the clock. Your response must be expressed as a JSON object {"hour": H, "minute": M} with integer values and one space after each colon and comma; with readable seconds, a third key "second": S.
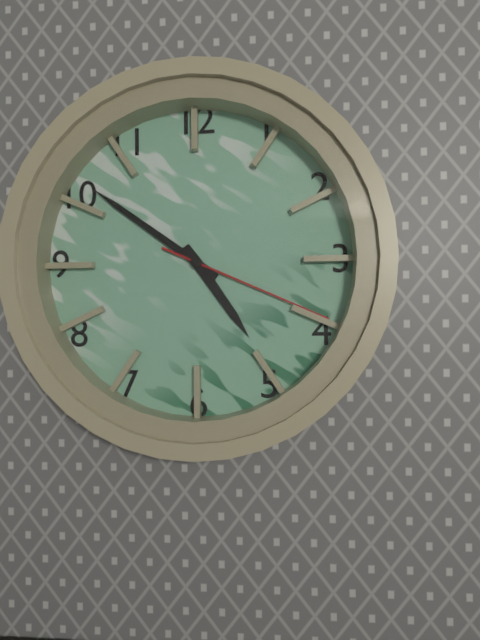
{"hour": 4, "minute": 51, "second": 19}
